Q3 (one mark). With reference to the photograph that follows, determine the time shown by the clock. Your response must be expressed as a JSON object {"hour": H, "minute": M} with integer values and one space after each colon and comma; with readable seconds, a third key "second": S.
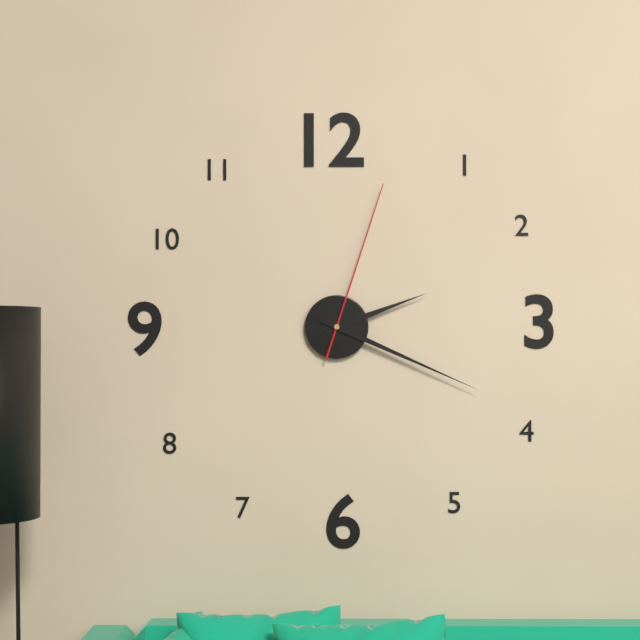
{"hour": 2, "minute": 19, "second": 3}
